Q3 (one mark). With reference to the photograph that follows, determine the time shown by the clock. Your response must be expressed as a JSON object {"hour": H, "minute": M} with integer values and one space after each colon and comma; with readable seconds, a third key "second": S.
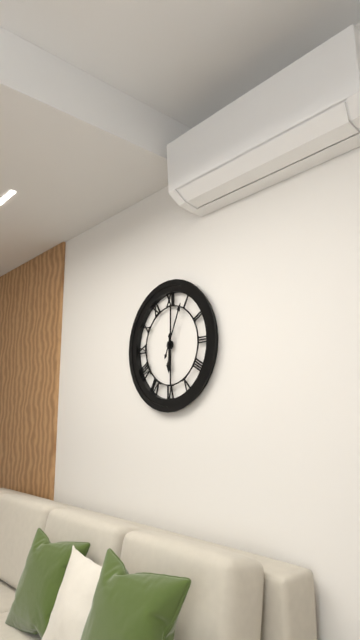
{"hour": 6, "minute": 4}
